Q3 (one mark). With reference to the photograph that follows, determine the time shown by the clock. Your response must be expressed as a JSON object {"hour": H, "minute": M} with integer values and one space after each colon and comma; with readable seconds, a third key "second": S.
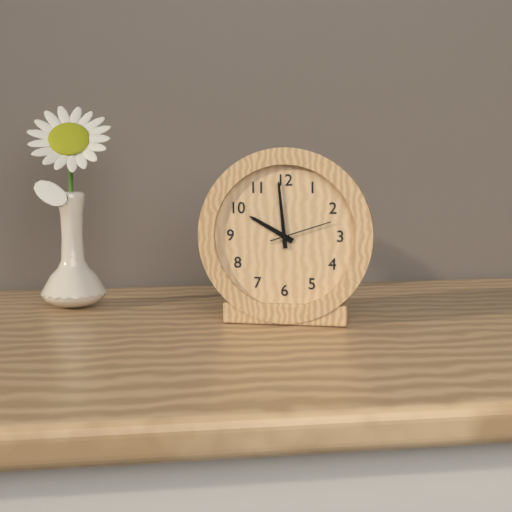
{"hour": 9, "minute": 59, "second": 12}
